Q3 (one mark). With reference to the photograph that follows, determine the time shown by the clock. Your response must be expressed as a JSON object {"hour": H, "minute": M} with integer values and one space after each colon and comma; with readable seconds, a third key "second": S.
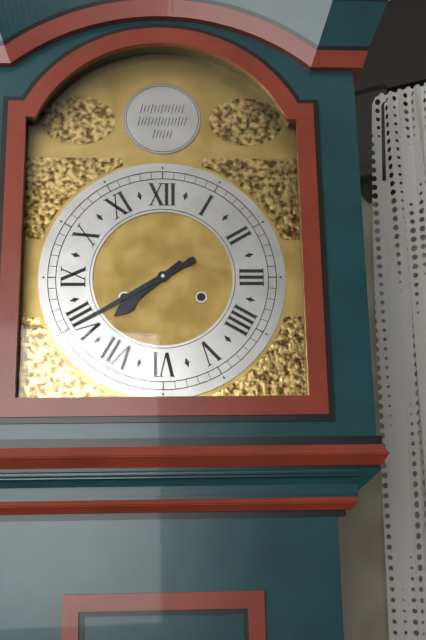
{"hour": 7, "minute": 40}
